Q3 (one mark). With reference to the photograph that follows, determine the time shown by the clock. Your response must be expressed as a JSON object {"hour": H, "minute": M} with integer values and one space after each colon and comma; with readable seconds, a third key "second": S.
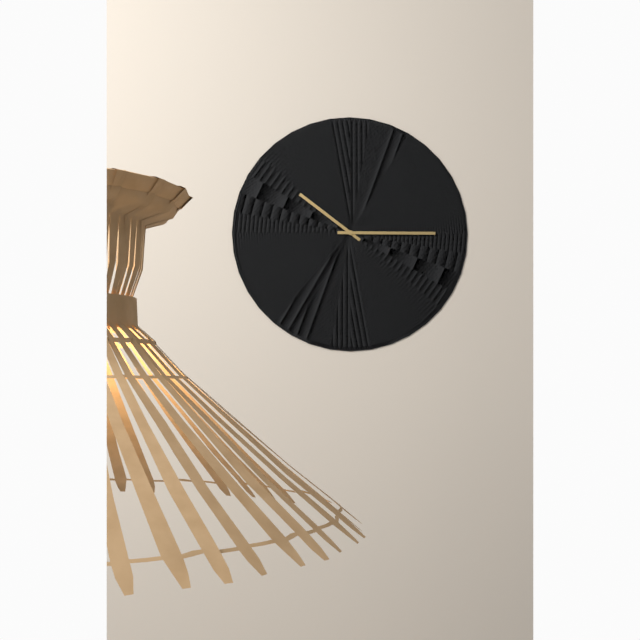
{"hour": 10, "minute": 15}
